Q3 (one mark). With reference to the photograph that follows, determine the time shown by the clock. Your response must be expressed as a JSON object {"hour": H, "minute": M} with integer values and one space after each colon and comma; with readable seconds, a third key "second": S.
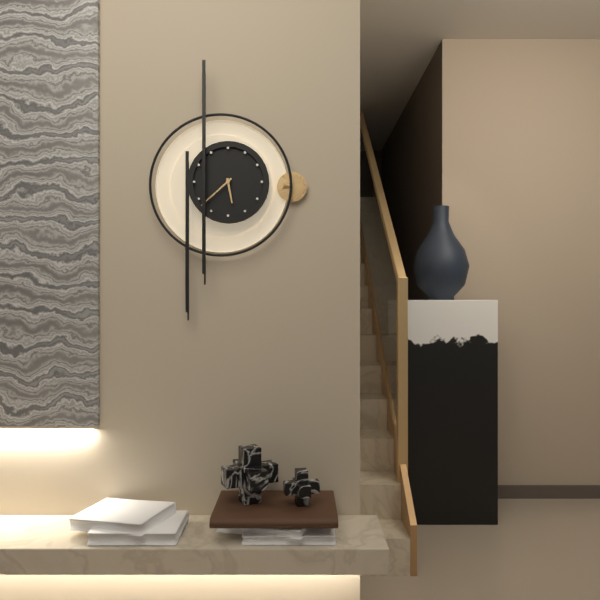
{"hour": 5, "minute": 38}
